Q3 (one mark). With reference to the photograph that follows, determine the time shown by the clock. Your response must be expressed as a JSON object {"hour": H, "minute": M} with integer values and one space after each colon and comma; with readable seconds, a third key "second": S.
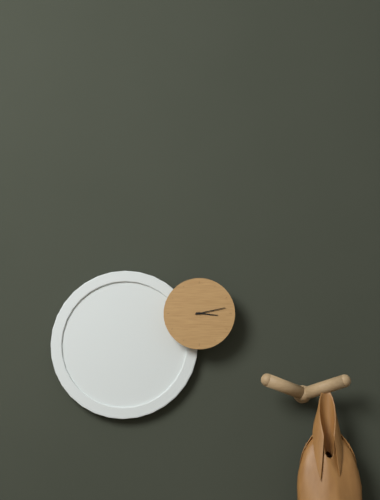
{"hour": 3, "minute": 13}
